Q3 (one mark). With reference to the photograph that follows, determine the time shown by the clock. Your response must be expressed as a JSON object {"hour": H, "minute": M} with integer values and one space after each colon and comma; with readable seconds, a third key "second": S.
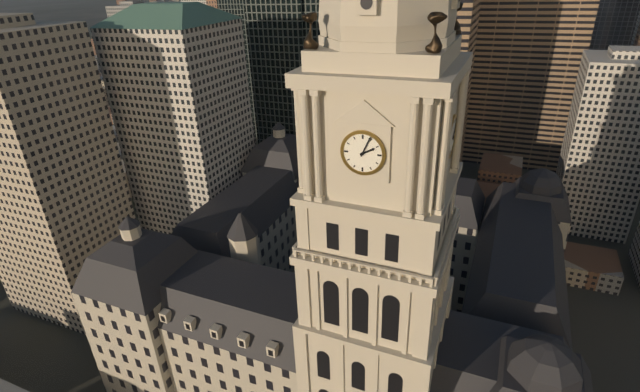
{"hour": 2, "minute": 4}
